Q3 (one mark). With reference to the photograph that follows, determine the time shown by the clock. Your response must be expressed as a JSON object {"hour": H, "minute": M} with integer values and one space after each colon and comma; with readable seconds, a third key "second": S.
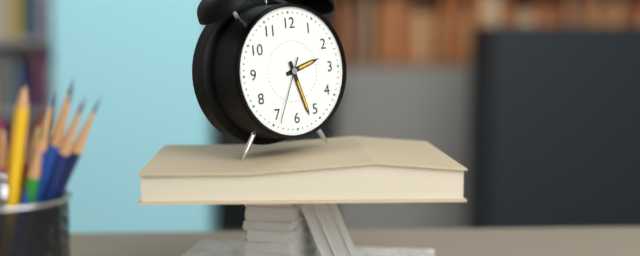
{"hour": 2, "minute": 27, "second": 34}
